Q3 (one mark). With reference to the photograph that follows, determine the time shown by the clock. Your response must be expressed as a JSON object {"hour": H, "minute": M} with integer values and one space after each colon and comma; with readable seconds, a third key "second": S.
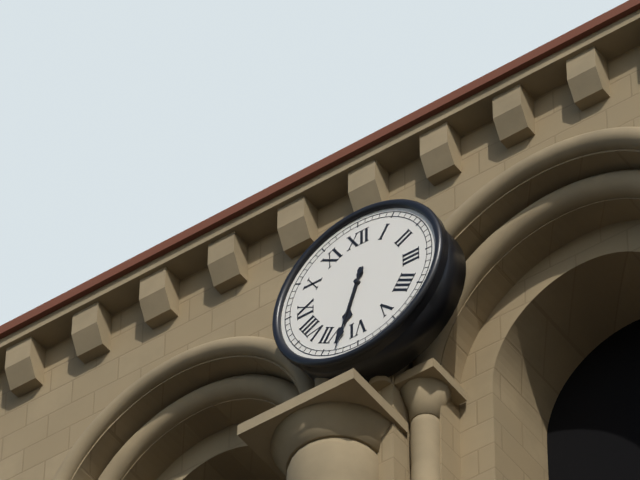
{"hour": 6, "minute": 33}
